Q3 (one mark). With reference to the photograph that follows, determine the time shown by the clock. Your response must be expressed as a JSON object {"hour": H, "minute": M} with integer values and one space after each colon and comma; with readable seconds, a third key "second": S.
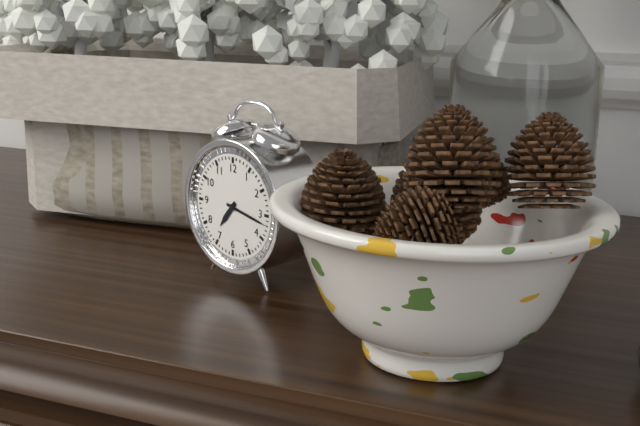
{"hour": 7, "minute": 17}
